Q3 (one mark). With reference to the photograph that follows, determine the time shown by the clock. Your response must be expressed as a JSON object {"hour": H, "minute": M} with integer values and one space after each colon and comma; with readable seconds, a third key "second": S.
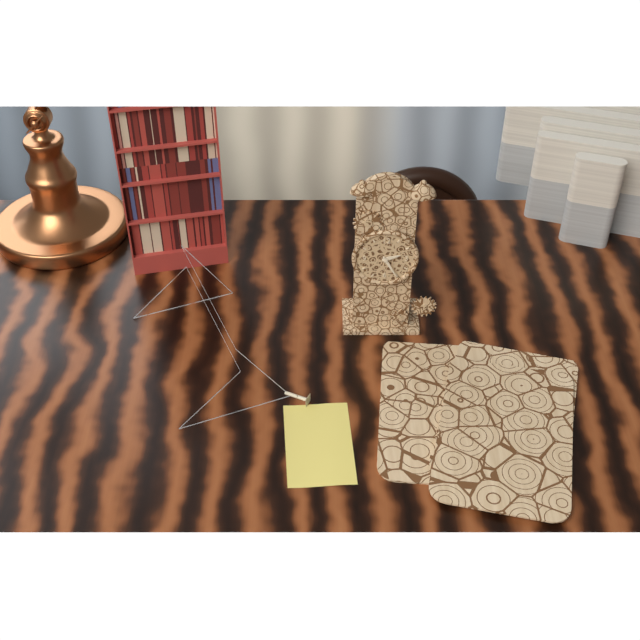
{"hour": 2, "minute": 25}
